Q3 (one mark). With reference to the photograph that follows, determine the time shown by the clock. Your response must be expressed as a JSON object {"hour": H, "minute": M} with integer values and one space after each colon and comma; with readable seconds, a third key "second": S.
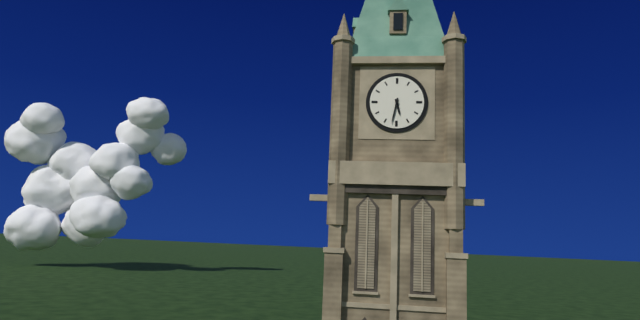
{"hour": 5, "minute": 32}
